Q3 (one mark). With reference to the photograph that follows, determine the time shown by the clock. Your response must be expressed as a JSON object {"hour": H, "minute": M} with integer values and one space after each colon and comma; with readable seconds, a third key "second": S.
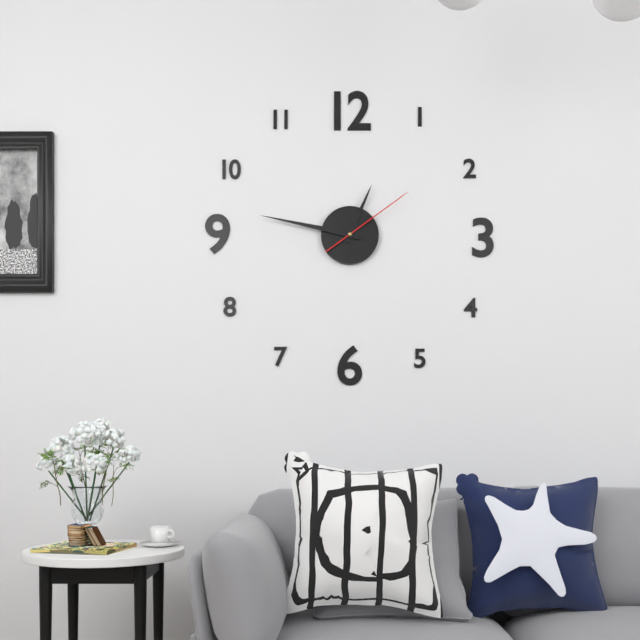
{"hour": 12, "minute": 47, "second": 9}
